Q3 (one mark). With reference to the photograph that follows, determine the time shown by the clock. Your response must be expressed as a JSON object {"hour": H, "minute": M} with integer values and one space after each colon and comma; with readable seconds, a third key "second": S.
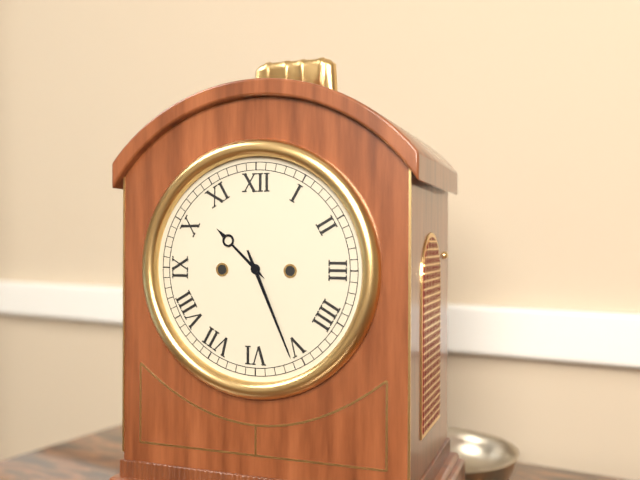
{"hour": 10, "minute": 26}
